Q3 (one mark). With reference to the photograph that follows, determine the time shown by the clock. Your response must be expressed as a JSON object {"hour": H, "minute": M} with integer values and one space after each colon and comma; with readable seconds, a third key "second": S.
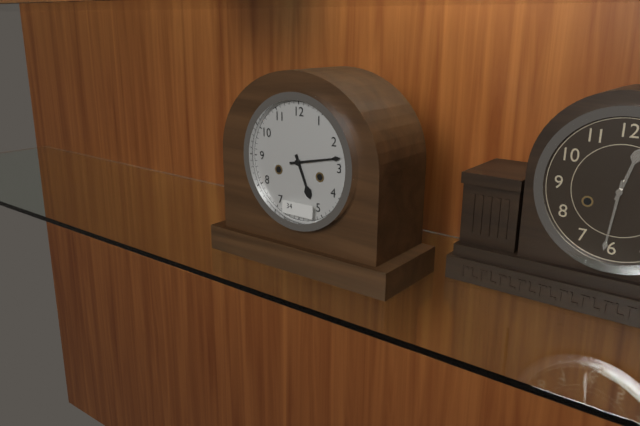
{"hour": 5, "minute": 13}
